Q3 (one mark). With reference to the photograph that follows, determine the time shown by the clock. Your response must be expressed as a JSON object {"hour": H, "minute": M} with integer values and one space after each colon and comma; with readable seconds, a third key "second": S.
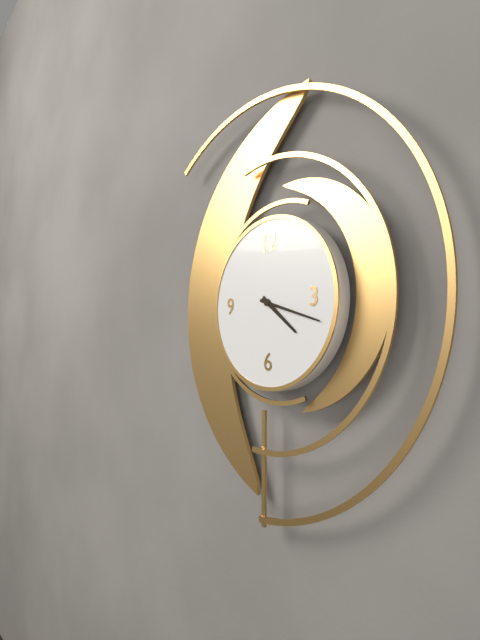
{"hour": 4, "minute": 18}
